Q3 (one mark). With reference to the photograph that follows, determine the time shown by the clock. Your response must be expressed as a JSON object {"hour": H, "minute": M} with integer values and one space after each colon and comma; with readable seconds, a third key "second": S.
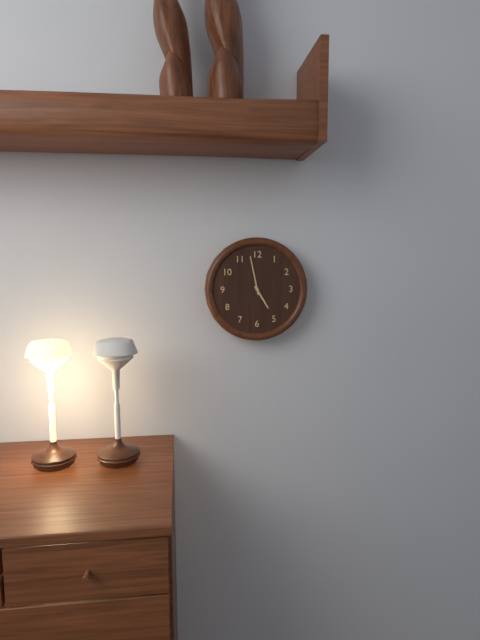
{"hour": 4, "minute": 58}
